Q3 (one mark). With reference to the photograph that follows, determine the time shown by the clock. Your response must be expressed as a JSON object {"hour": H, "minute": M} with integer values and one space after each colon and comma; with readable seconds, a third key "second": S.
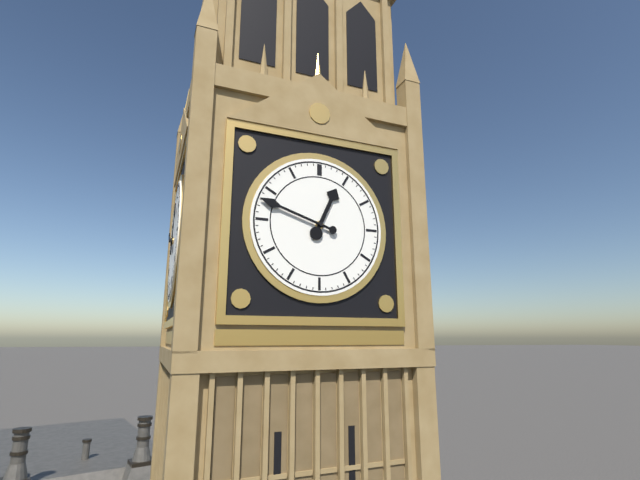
{"hour": 12, "minute": 48}
